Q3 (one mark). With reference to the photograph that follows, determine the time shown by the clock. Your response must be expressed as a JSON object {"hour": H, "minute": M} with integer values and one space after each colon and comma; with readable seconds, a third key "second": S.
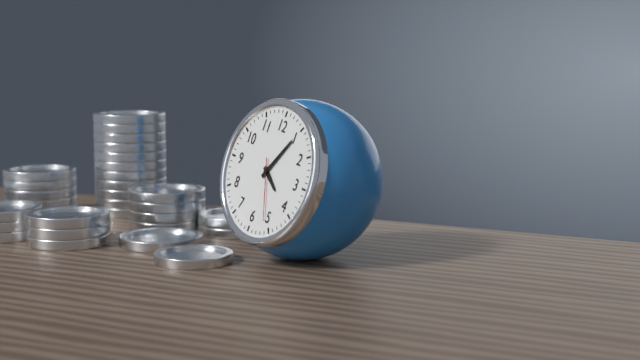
{"hour": 4, "minute": 5, "second": 26}
